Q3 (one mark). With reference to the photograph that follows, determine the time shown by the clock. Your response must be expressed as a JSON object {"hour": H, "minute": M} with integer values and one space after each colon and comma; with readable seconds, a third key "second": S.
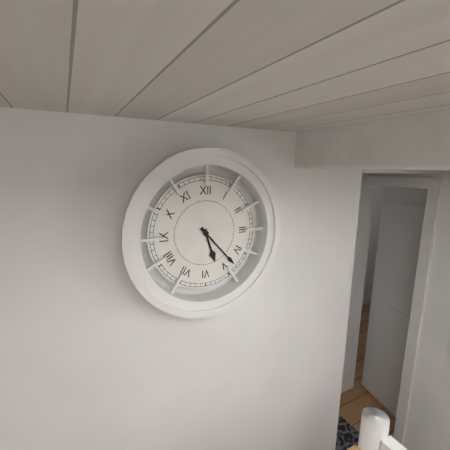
{"hour": 5, "minute": 23}
